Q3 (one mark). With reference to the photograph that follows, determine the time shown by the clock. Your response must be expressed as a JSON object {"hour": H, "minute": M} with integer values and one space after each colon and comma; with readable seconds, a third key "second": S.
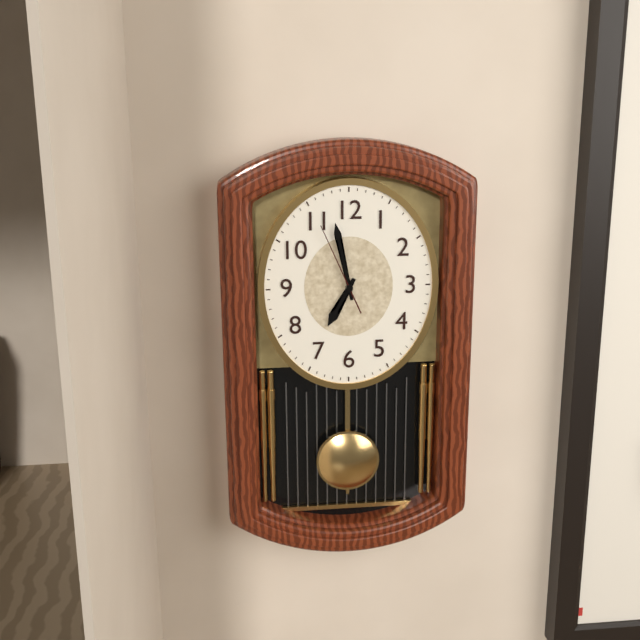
{"hour": 6, "minute": 58, "second": 56}
